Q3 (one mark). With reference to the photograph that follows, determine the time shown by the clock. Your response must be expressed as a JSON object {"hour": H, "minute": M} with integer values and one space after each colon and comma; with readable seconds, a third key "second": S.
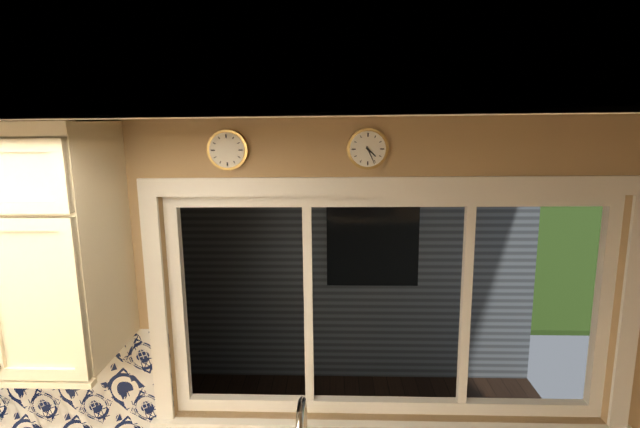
{"hour": 4, "minute": 26}
